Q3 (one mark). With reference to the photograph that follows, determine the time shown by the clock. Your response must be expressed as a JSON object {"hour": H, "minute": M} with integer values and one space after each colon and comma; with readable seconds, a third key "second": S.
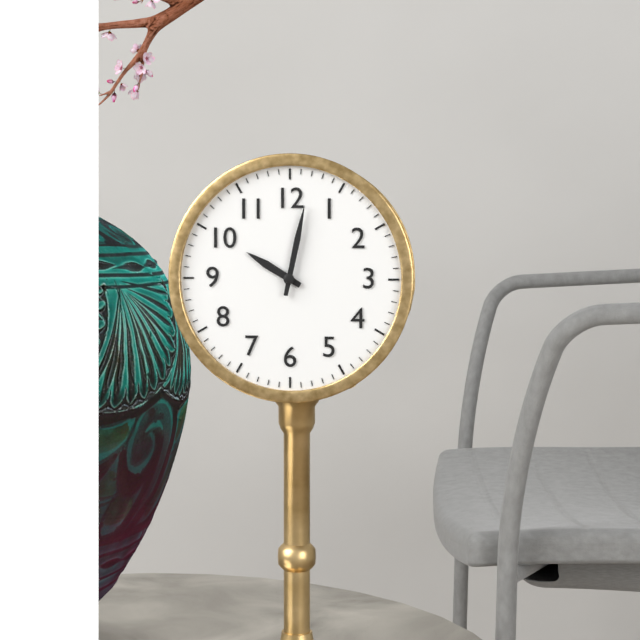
{"hour": 10, "minute": 2}
